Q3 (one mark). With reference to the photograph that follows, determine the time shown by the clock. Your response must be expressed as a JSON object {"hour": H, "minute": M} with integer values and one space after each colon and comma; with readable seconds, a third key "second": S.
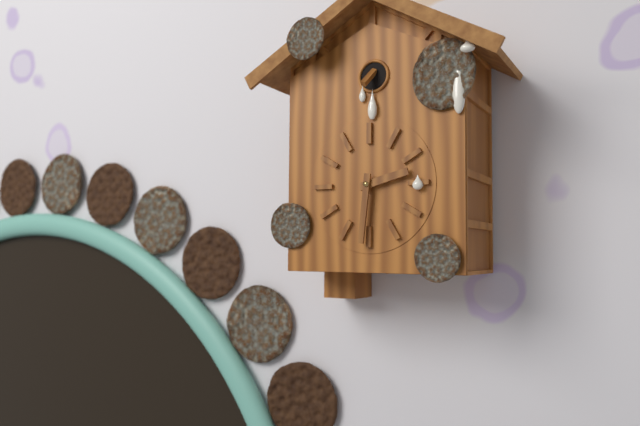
{"hour": 2, "minute": 31}
